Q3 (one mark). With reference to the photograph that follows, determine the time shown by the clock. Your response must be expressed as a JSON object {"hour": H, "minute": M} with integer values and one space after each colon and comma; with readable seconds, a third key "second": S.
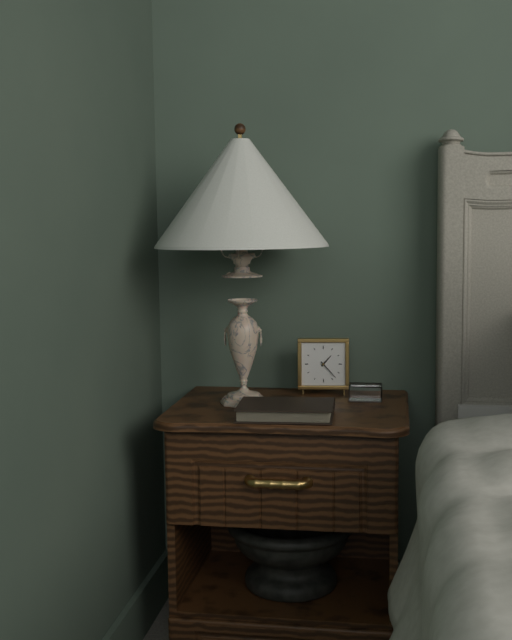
{"hour": 1, "minute": 23}
